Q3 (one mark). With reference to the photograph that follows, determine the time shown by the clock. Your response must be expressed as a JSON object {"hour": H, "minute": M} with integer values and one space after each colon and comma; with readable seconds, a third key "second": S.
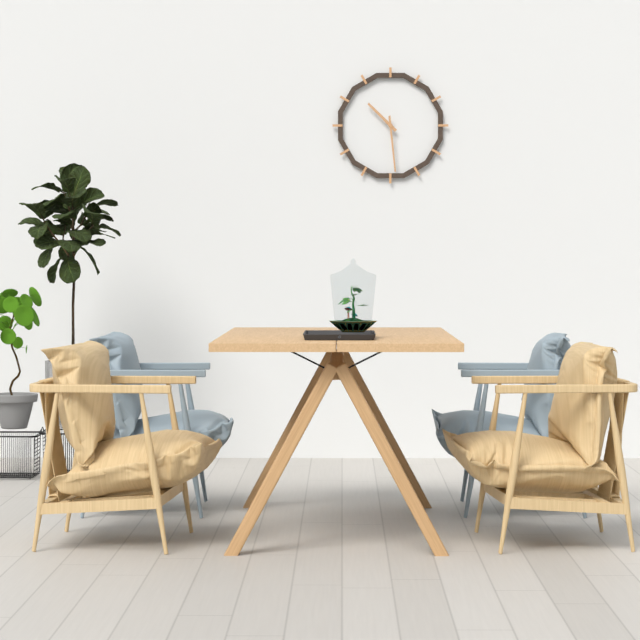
{"hour": 10, "minute": 29}
